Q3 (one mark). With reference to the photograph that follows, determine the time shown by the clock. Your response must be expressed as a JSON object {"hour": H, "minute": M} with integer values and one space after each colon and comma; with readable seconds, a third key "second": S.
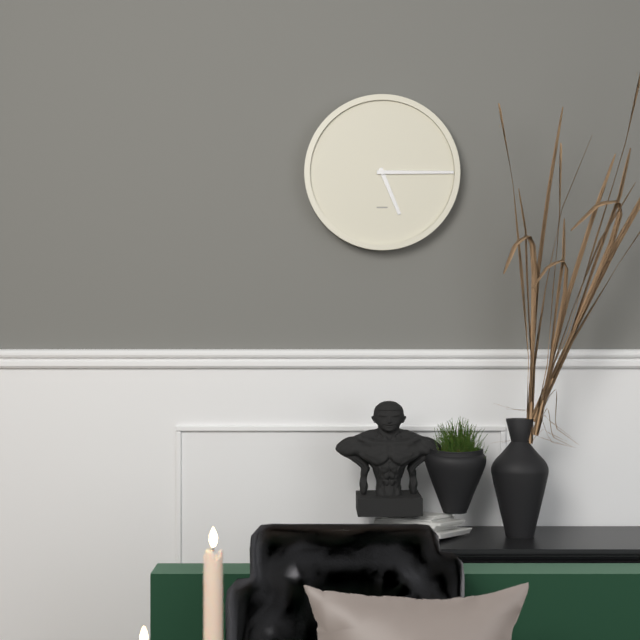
{"hour": 5, "minute": 15}
